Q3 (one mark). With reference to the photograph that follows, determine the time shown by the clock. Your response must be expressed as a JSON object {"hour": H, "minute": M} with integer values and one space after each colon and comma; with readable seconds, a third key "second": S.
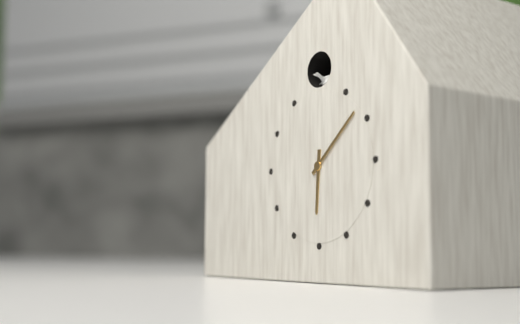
{"hour": 6, "minute": 8}
